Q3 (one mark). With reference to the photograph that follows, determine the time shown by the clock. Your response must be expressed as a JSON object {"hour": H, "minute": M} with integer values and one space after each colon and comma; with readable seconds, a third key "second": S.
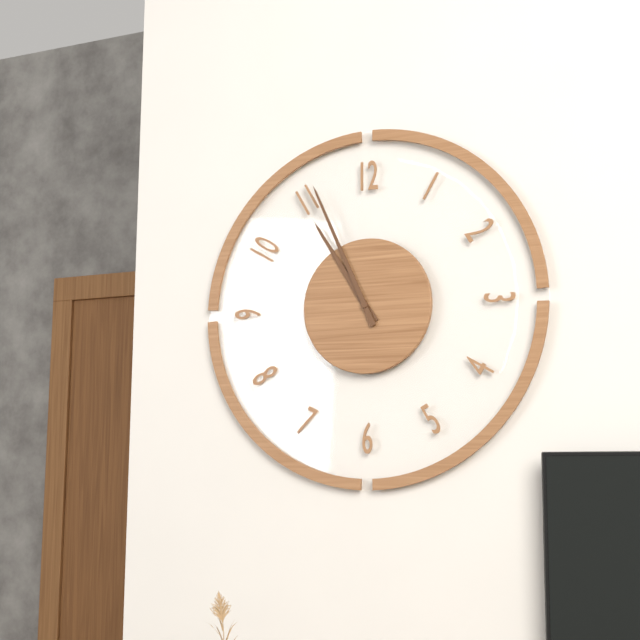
{"hour": 10, "minute": 56}
